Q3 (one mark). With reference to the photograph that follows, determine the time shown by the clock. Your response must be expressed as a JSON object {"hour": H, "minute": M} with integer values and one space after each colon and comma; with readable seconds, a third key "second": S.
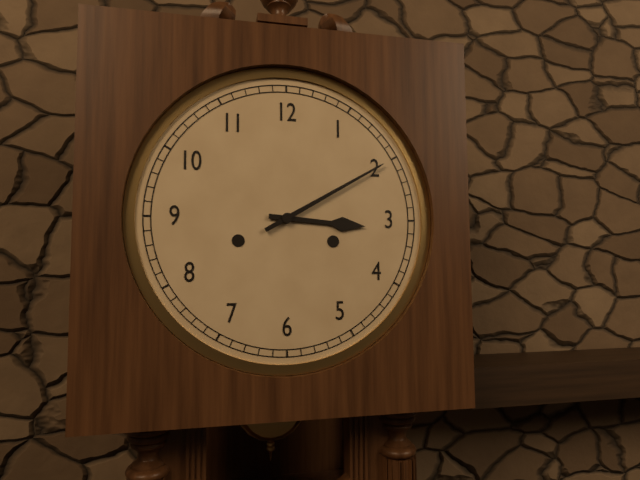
{"hour": 3, "minute": 10}
